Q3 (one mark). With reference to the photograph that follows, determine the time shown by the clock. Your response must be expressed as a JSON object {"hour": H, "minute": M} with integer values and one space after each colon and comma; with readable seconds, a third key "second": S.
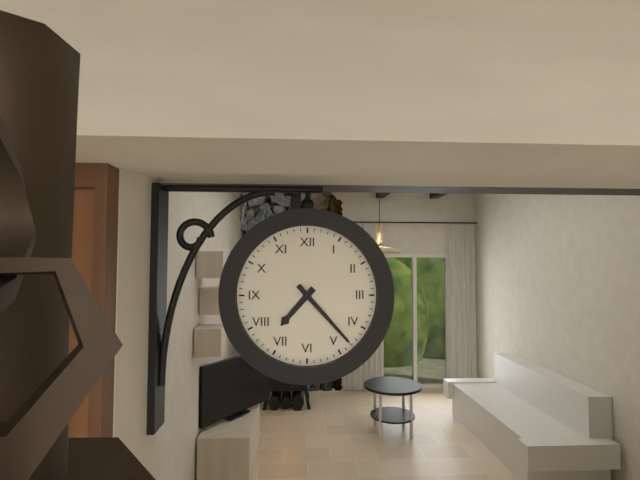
{"hour": 7, "minute": 23}
